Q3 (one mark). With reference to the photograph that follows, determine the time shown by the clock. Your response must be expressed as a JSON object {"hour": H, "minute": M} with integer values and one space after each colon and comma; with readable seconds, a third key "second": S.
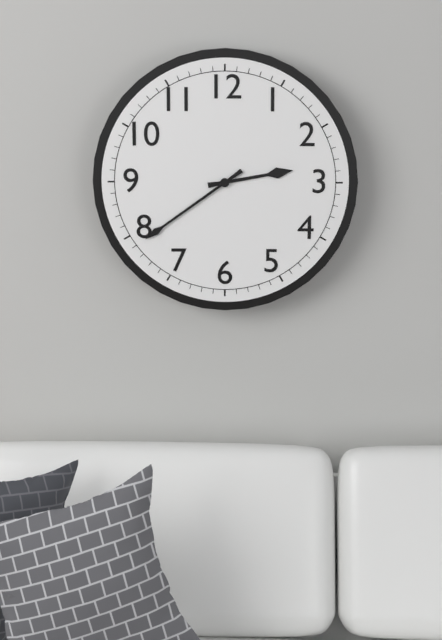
{"hour": 2, "minute": 39}
